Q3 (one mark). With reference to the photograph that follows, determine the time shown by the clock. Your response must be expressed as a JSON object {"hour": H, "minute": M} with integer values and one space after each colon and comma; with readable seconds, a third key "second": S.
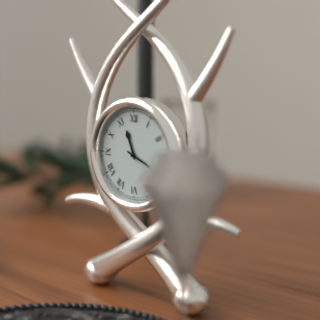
{"hour": 11, "minute": 19}
